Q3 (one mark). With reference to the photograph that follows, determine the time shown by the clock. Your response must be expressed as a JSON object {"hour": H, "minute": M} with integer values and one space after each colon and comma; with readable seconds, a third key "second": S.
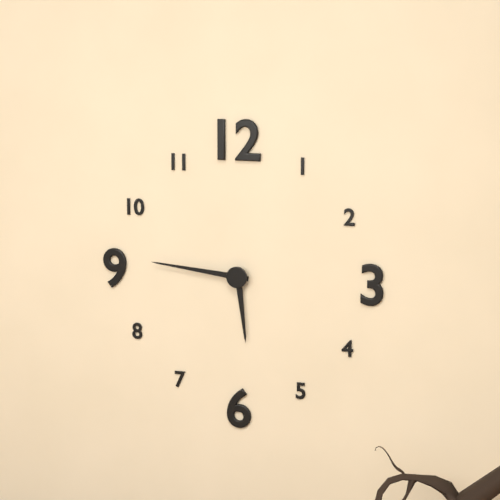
{"hour": 5, "minute": 46}
